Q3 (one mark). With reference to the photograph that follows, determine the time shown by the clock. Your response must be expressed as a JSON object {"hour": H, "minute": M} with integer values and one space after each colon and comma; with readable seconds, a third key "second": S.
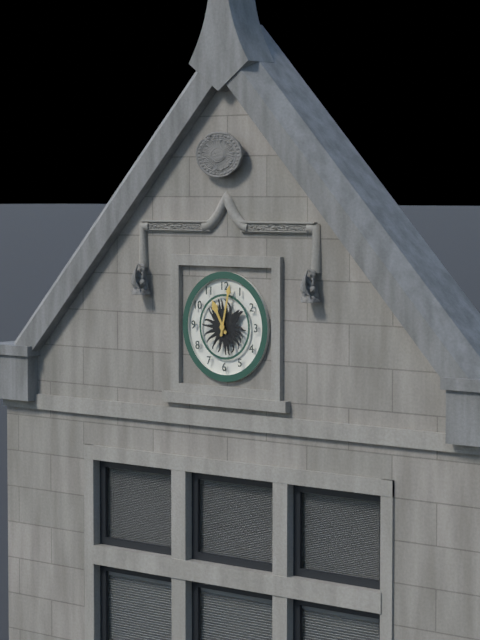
{"hour": 11, "minute": 2}
